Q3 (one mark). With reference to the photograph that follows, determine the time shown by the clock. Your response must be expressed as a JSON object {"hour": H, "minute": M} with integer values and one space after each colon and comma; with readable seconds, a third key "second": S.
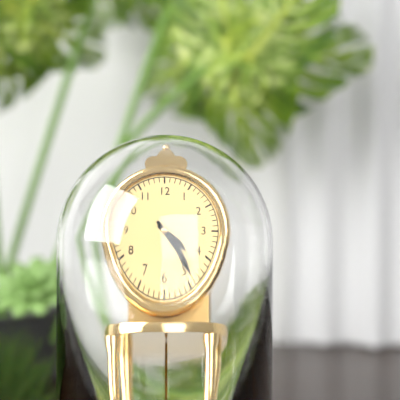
{"hour": 4, "minute": 24}
